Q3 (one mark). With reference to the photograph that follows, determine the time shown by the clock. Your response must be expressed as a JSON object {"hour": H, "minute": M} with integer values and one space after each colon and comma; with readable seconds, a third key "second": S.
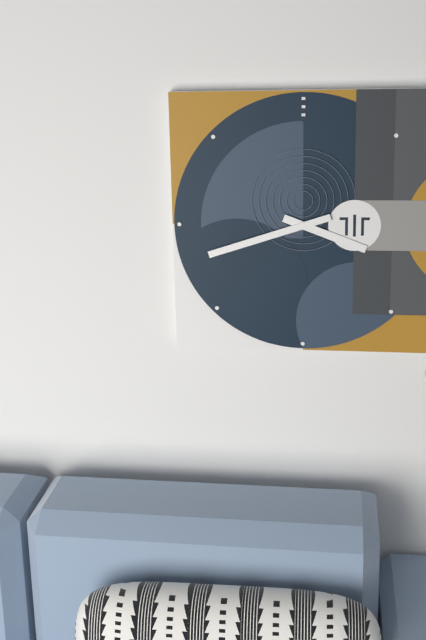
{"hour": 3, "minute": 42}
